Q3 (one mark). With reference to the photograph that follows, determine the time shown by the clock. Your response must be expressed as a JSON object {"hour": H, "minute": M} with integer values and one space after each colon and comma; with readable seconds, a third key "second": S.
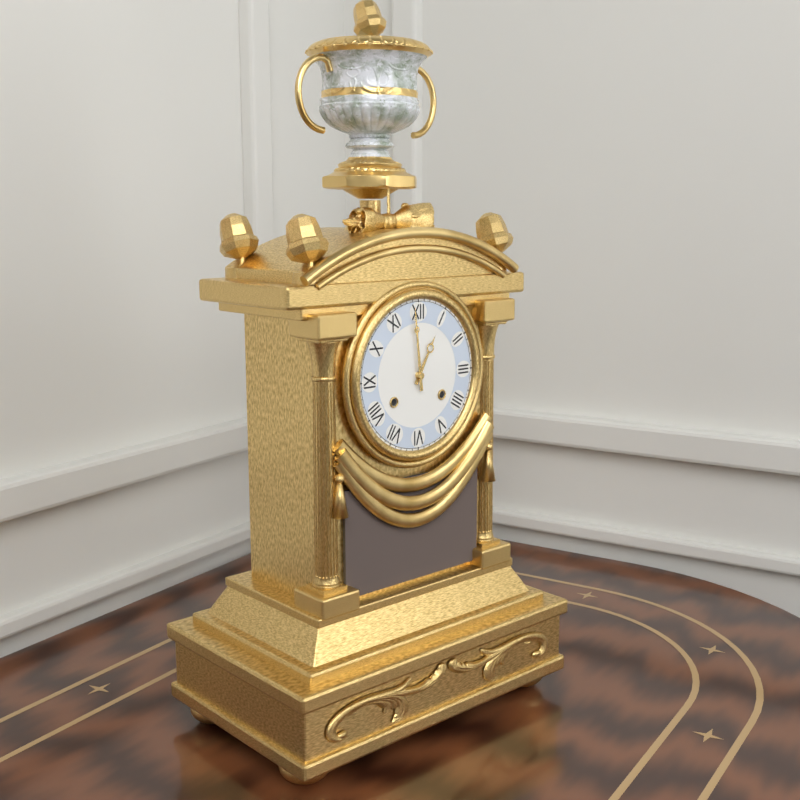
{"hour": 12, "minute": 59}
